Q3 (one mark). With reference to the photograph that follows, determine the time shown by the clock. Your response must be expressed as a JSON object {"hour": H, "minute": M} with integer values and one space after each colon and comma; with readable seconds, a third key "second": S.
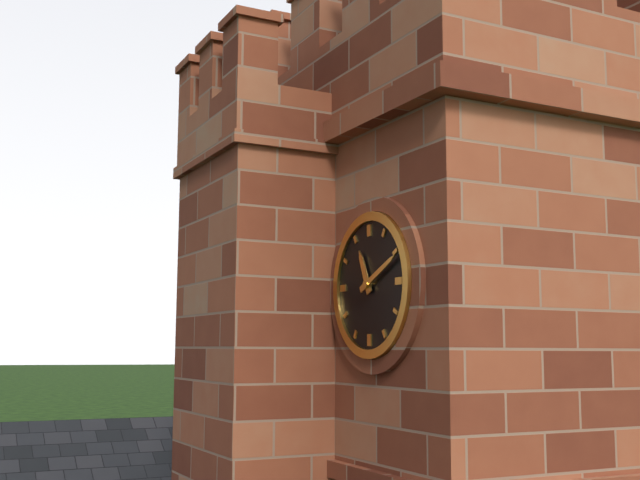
{"hour": 11, "minute": 11}
